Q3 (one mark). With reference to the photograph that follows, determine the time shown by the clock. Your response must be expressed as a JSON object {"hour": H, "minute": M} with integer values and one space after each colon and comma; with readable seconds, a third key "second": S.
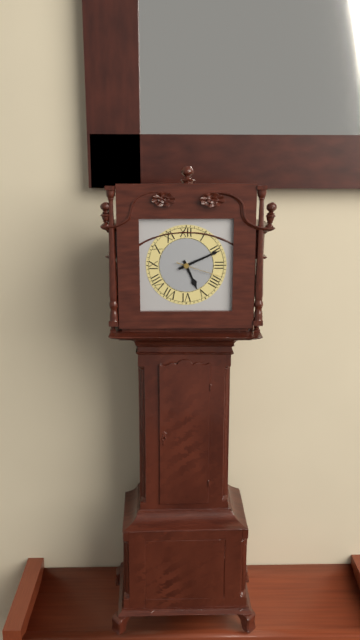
{"hour": 5, "minute": 11}
